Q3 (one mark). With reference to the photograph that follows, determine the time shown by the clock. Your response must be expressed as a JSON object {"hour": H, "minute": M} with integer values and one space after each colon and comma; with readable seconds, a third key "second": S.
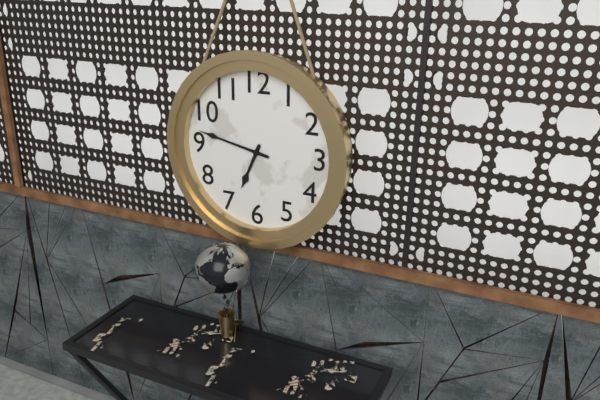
{"hour": 6, "minute": 47}
